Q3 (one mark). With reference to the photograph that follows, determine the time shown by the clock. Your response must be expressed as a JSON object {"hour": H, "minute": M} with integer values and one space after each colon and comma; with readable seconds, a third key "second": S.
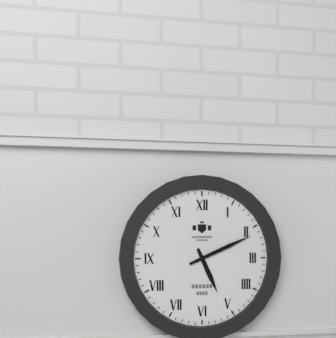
{"hour": 5, "minute": 11}
